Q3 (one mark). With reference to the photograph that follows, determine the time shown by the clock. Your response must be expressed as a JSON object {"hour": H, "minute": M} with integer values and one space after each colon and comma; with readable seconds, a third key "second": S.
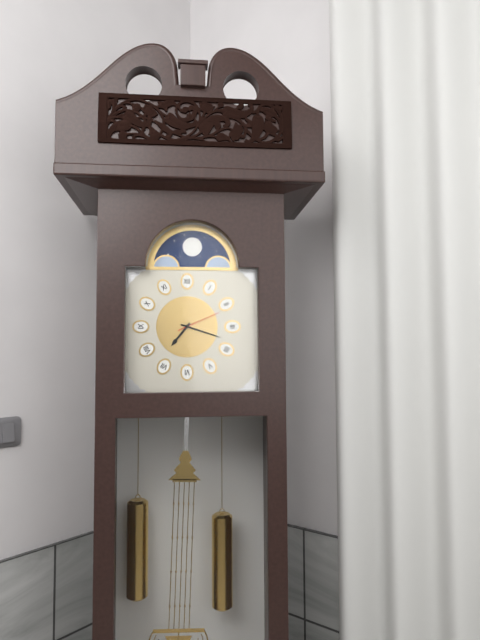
{"hour": 7, "minute": 18}
